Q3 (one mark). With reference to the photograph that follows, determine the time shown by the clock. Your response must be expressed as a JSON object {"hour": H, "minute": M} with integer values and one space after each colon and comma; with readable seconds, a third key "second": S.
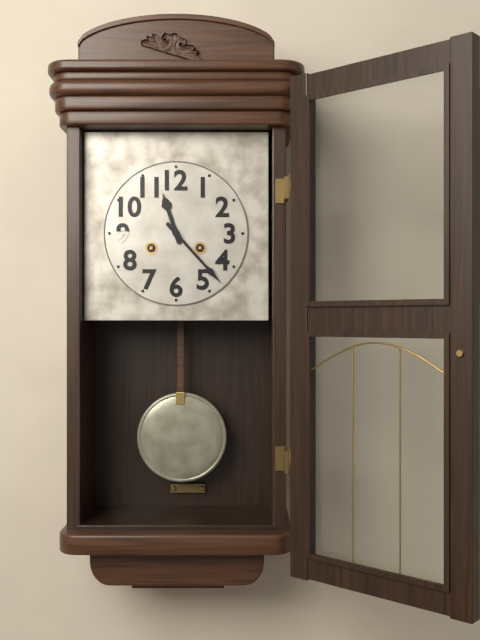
{"hour": 11, "minute": 23}
